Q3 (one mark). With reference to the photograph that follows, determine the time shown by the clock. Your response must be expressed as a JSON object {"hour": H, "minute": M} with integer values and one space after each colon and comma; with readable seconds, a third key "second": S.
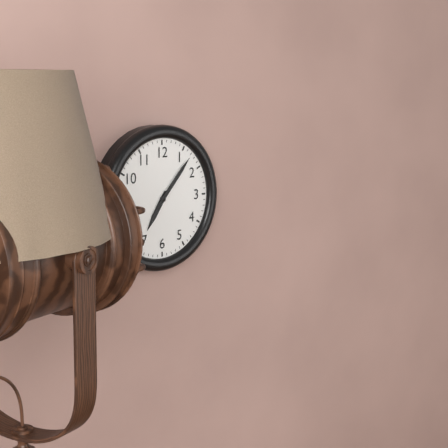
{"hour": 7, "minute": 7}
